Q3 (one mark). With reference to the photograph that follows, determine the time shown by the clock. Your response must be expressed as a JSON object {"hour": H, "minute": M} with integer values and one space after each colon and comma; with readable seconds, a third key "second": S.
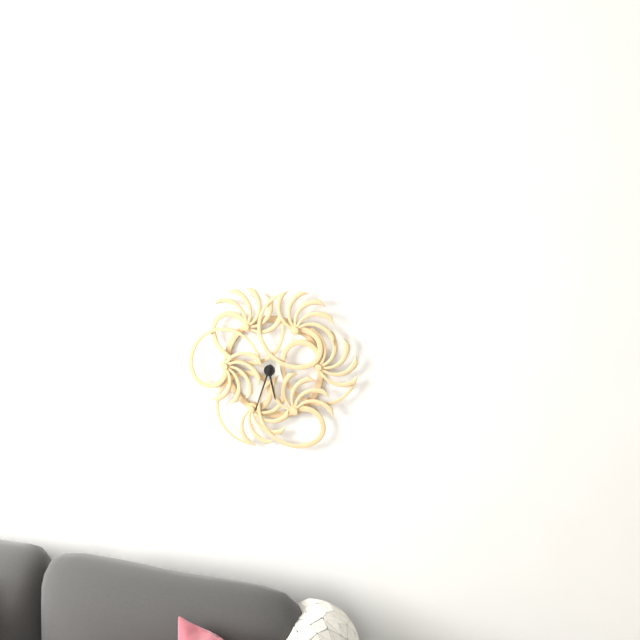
{"hour": 5, "minute": 33}
